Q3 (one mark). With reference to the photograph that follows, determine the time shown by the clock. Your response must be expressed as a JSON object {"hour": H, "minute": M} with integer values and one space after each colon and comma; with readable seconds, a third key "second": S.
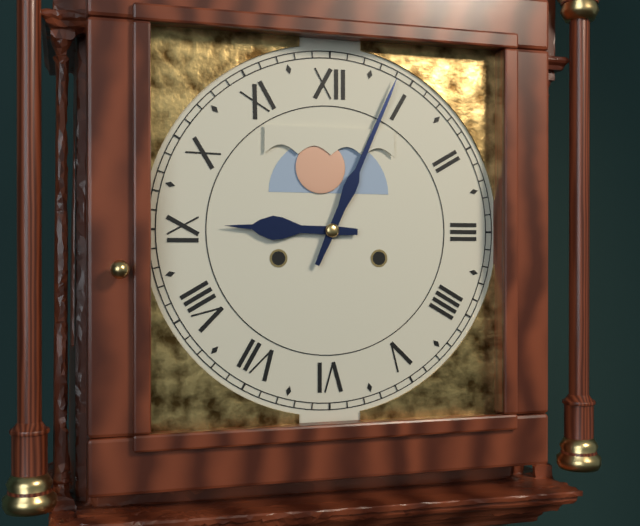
{"hour": 9, "minute": 4}
